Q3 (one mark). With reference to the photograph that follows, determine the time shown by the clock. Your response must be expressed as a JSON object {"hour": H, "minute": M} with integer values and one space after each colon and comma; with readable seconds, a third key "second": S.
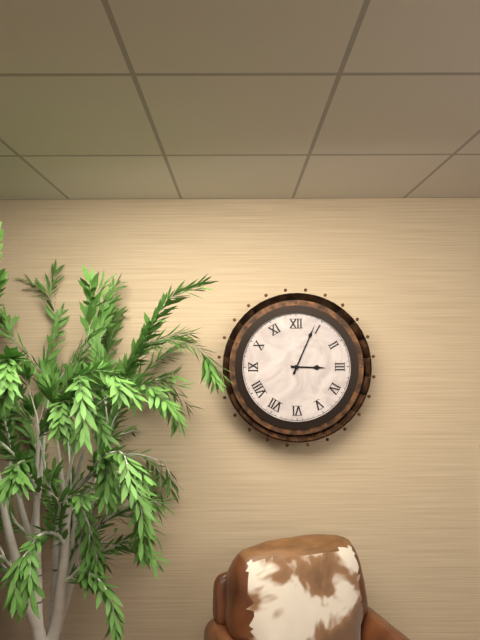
{"hour": 3, "minute": 4}
